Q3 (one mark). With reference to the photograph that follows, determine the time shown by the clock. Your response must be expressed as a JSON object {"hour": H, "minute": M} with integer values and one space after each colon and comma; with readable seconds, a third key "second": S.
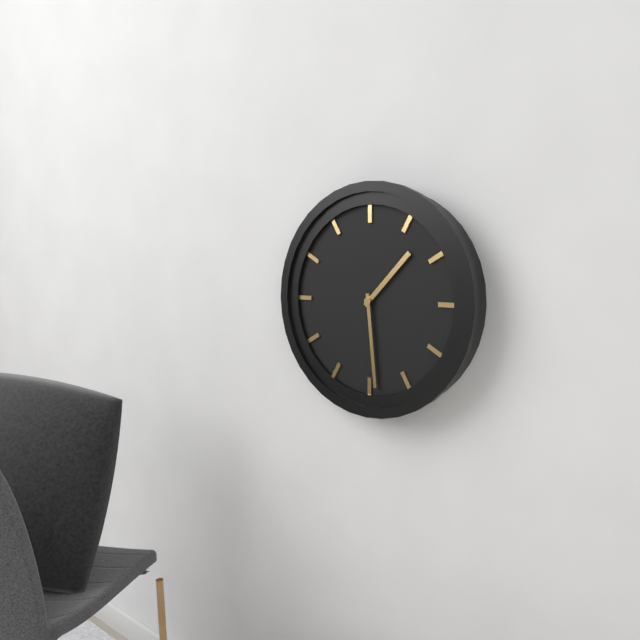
{"hour": 1, "minute": 29}
